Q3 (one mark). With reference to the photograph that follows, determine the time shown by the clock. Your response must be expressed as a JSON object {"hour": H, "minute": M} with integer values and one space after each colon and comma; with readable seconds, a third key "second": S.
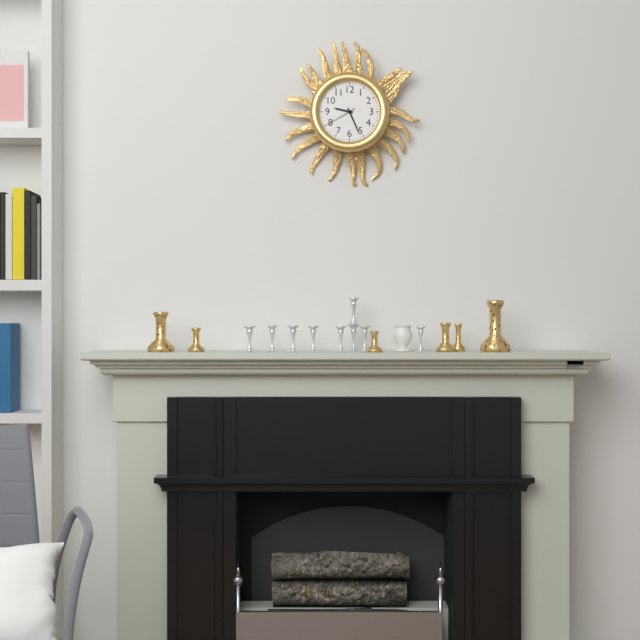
{"hour": 9, "minute": 26}
